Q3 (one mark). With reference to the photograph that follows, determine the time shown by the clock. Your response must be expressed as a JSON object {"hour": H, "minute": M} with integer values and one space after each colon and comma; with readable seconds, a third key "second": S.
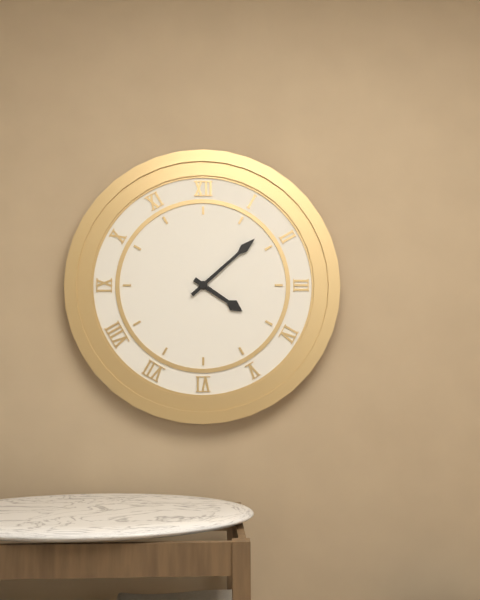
{"hour": 4, "minute": 8}
